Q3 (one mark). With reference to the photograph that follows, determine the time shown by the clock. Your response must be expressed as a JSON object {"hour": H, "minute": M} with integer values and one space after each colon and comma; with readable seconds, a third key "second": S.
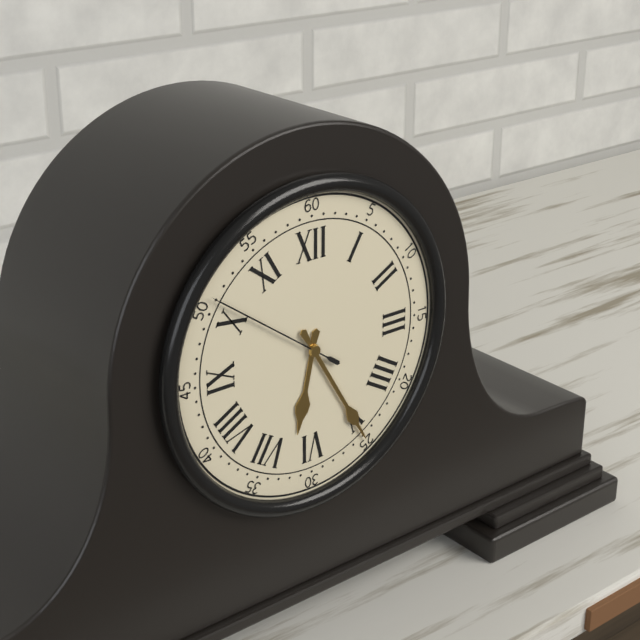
{"hour": 6, "minute": 25, "second": 51}
